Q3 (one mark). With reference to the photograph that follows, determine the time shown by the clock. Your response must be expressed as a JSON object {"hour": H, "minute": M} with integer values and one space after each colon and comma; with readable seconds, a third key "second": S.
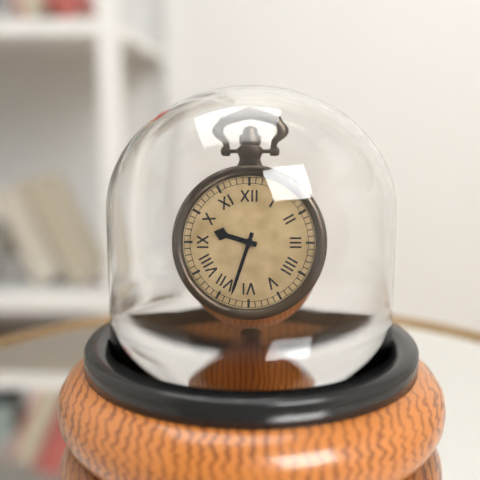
{"hour": 9, "minute": 33}
